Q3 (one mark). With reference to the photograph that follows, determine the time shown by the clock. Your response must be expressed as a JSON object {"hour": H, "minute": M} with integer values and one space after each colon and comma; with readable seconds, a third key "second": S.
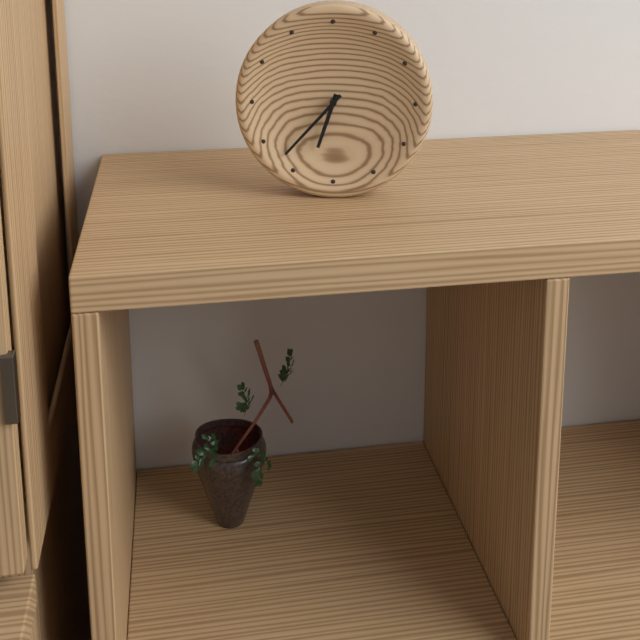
{"hour": 6, "minute": 37}
